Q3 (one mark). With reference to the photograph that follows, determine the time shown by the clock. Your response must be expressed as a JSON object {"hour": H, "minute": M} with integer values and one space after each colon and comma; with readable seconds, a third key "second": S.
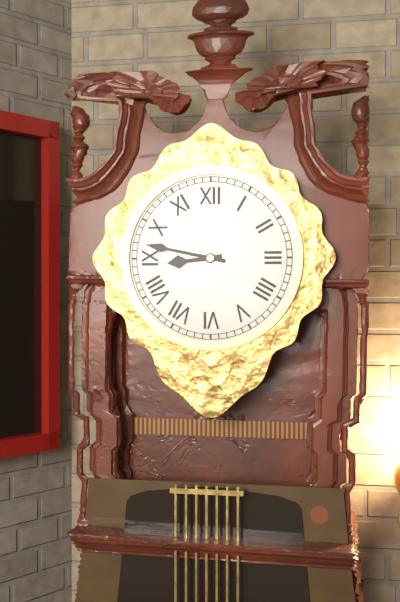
{"hour": 8, "minute": 47}
